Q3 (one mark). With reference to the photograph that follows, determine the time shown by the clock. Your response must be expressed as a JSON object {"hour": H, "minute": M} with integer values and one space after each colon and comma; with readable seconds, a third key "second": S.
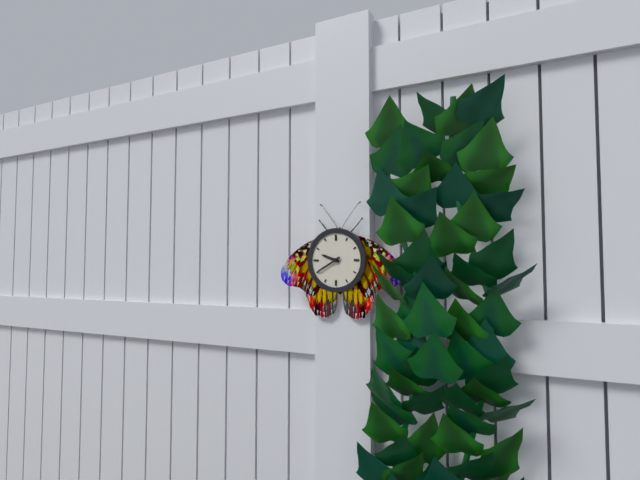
{"hour": 9, "minute": 40}
